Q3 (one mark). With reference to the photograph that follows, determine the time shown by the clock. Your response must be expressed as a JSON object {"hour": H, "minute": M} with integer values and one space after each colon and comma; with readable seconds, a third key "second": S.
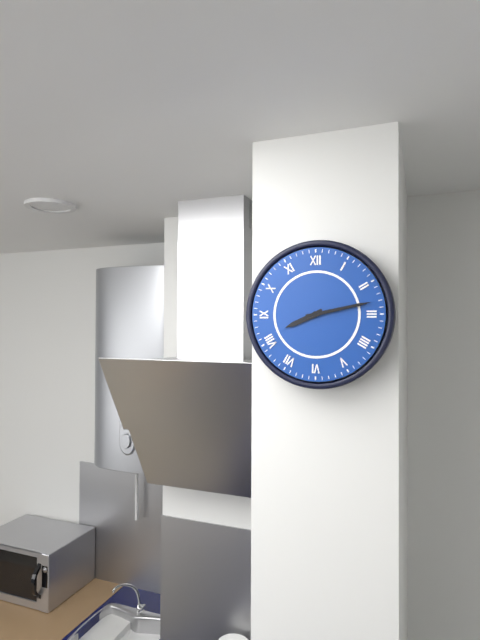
{"hour": 8, "minute": 13}
